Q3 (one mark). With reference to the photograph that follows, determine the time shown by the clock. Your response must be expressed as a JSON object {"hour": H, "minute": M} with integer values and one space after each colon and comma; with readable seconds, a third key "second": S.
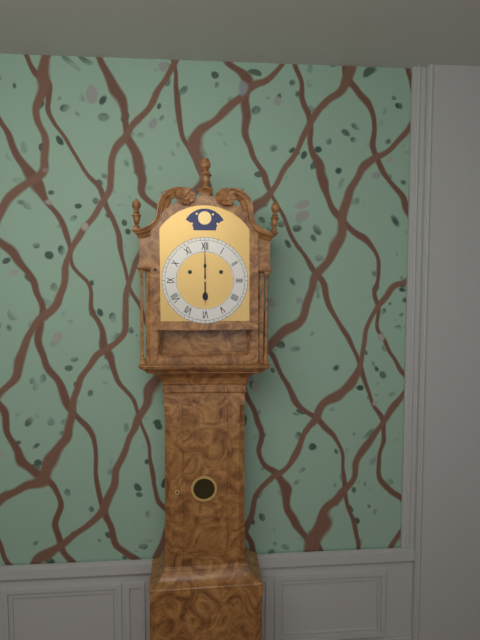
{"hour": 6, "minute": 0}
